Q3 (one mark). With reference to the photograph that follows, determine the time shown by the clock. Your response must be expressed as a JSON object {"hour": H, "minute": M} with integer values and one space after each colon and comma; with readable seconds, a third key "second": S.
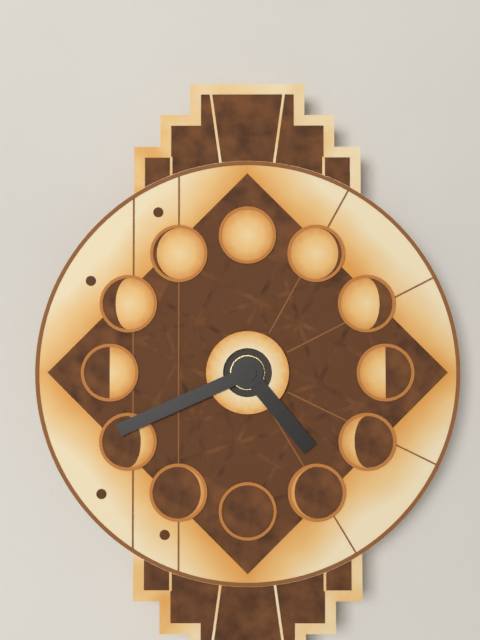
{"hour": 4, "minute": 41}
